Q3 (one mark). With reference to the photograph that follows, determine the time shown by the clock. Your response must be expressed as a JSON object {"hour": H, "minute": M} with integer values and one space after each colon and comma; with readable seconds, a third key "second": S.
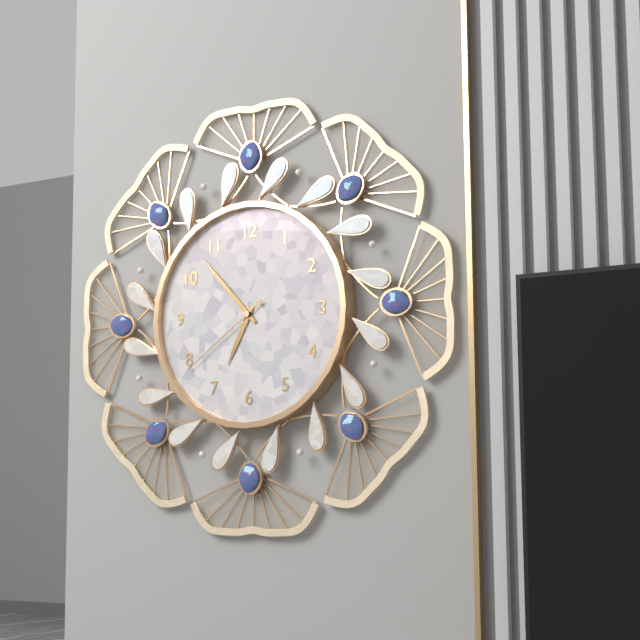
{"hour": 6, "minute": 53, "second": 39}
